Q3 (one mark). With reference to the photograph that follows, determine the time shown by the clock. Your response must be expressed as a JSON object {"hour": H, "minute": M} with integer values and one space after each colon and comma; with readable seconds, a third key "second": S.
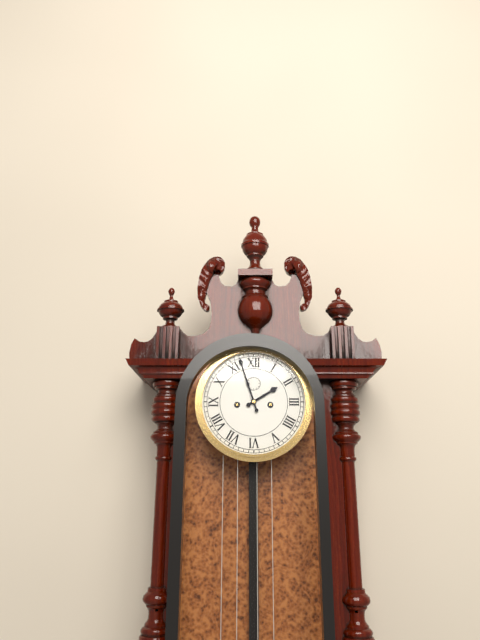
{"hour": 1, "minute": 57}
